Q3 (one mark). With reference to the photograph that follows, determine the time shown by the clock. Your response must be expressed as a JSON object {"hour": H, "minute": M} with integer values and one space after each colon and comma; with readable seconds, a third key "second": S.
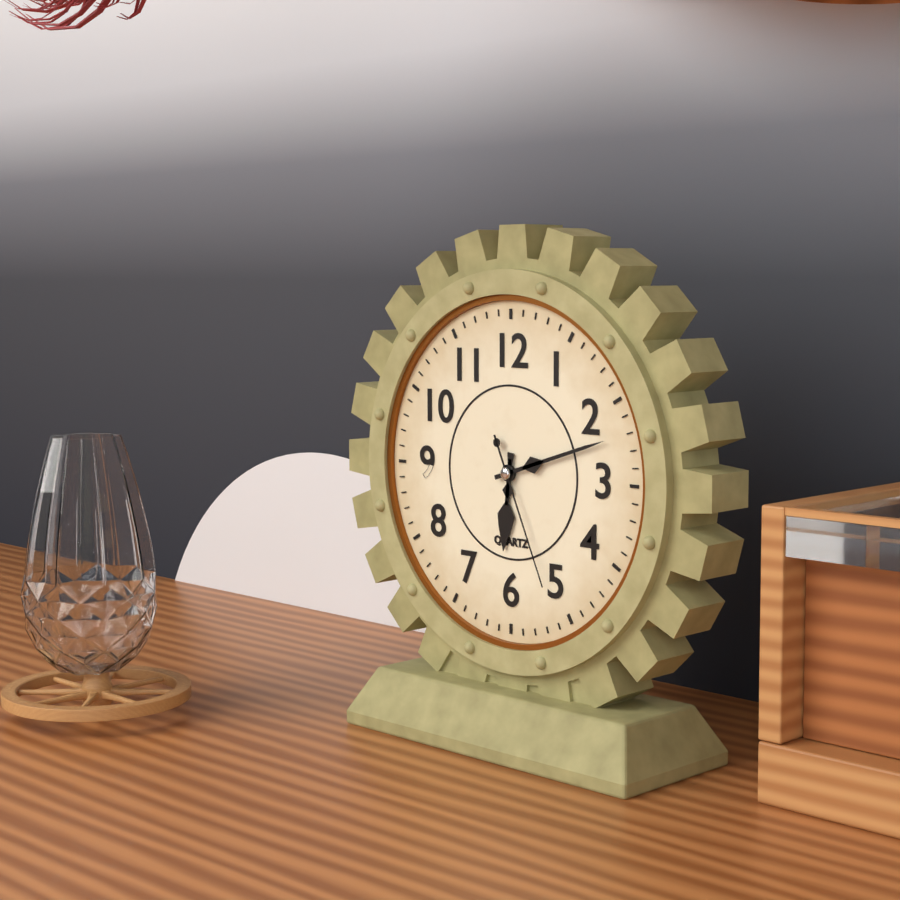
{"hour": 6, "minute": 12, "second": 26}
